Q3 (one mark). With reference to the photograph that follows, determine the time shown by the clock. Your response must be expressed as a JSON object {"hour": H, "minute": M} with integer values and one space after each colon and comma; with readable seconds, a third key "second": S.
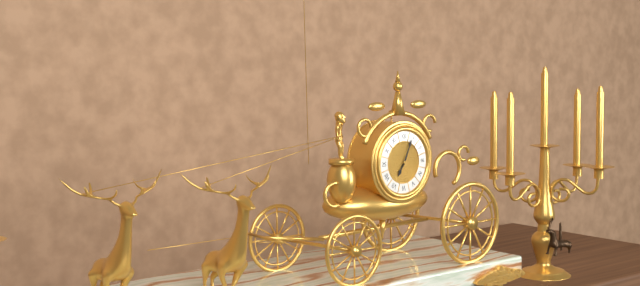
{"hour": 7, "minute": 4}
